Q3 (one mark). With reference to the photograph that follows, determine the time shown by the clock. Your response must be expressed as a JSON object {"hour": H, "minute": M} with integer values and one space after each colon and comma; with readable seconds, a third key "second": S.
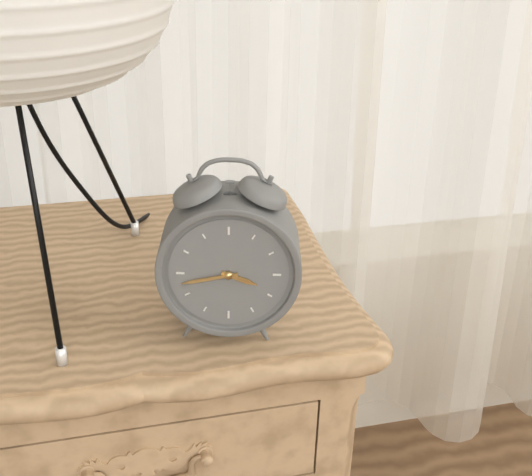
{"hour": 3, "minute": 43}
